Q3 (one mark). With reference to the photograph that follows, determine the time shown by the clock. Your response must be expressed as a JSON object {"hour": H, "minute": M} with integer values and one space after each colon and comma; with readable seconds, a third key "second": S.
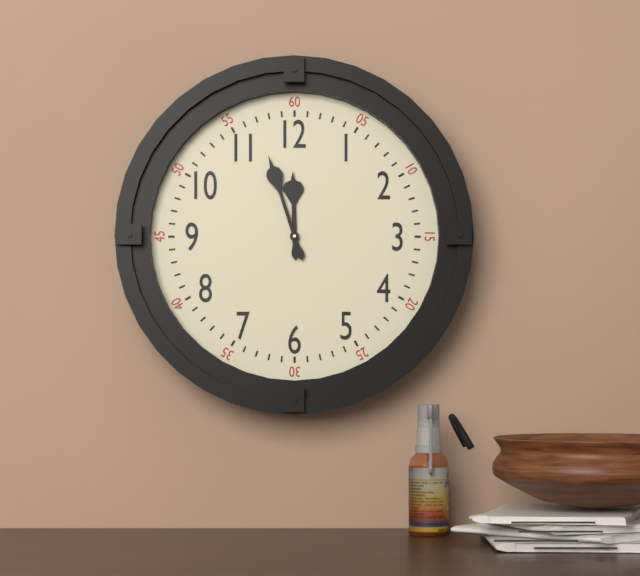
{"hour": 11, "minute": 57}
